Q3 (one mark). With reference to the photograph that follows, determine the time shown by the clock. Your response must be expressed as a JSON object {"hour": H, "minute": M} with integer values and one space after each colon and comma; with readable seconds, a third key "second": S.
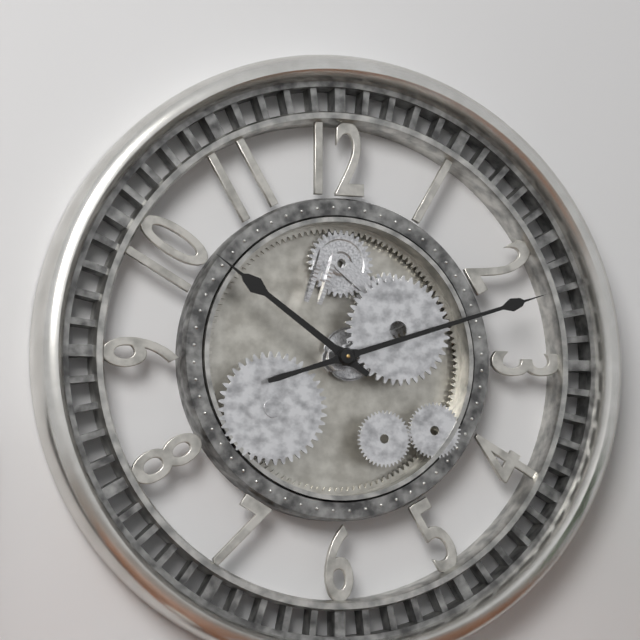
{"hour": 10, "minute": 12}
